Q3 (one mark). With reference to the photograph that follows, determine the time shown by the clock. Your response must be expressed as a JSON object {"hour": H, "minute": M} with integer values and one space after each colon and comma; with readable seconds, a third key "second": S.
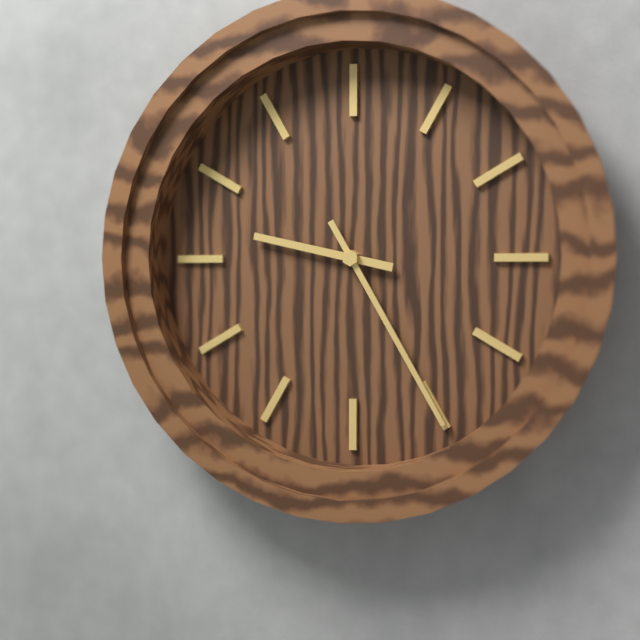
{"hour": 9, "minute": 25}
